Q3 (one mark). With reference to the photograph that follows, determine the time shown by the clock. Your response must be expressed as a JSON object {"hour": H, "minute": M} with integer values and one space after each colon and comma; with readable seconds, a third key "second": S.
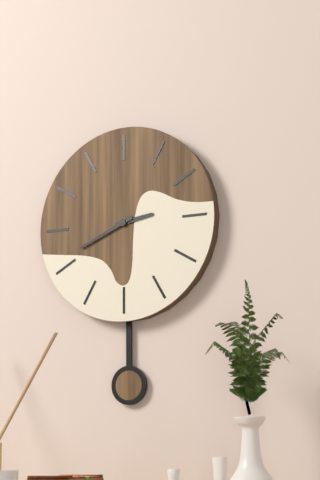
{"hour": 2, "minute": 41}
